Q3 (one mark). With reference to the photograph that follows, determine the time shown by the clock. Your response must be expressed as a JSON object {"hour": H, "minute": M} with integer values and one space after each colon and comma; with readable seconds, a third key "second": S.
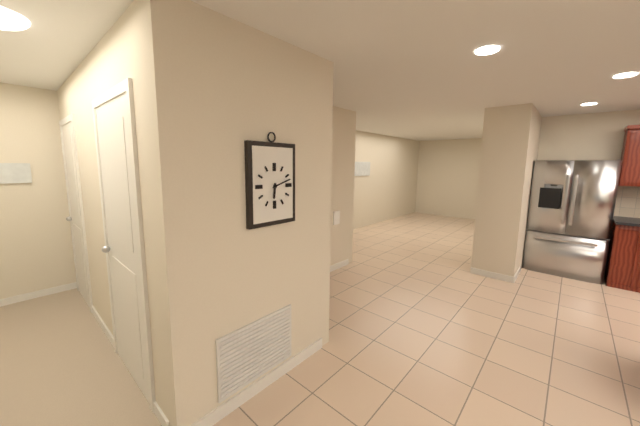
{"hour": 6, "minute": 12}
